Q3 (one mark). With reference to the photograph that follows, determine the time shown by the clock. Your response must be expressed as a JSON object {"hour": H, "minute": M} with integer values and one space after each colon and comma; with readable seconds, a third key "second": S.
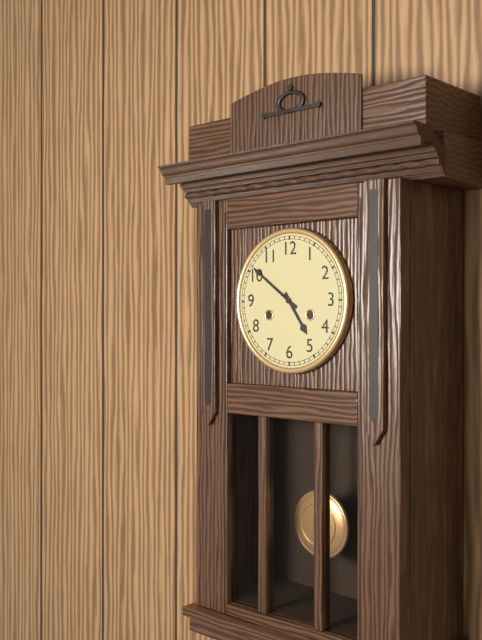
{"hour": 4, "minute": 51}
